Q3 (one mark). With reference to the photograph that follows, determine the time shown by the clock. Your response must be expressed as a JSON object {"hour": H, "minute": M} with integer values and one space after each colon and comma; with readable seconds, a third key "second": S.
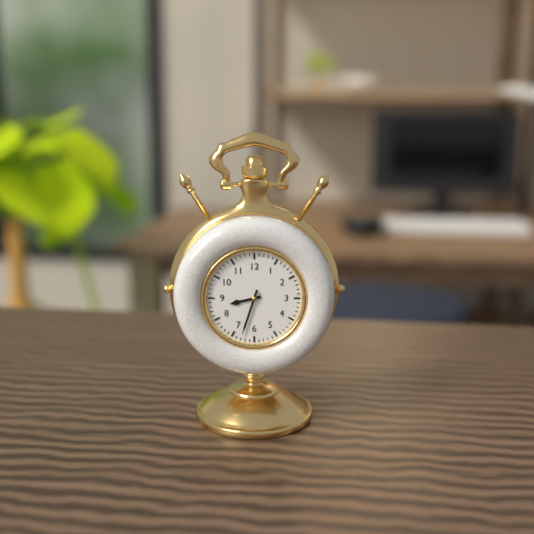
{"hour": 8, "minute": 33}
